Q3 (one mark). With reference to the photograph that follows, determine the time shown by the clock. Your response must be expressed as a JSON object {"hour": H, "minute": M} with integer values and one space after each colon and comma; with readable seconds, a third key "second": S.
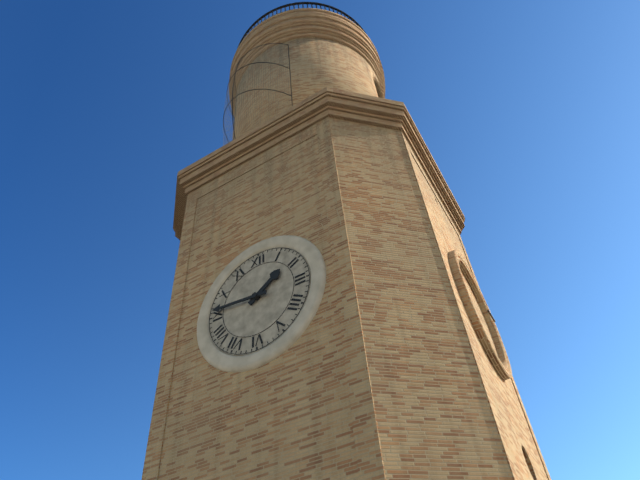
{"hour": 1, "minute": 46}
